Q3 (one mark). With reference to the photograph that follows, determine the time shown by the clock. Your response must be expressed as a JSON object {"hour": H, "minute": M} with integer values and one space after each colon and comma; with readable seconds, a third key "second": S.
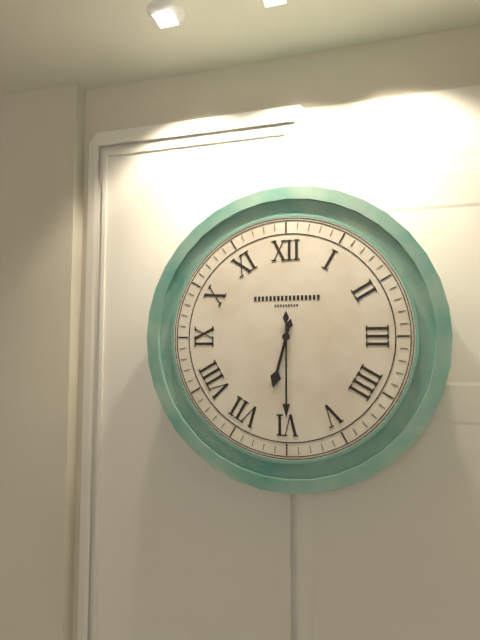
{"hour": 6, "minute": 30}
